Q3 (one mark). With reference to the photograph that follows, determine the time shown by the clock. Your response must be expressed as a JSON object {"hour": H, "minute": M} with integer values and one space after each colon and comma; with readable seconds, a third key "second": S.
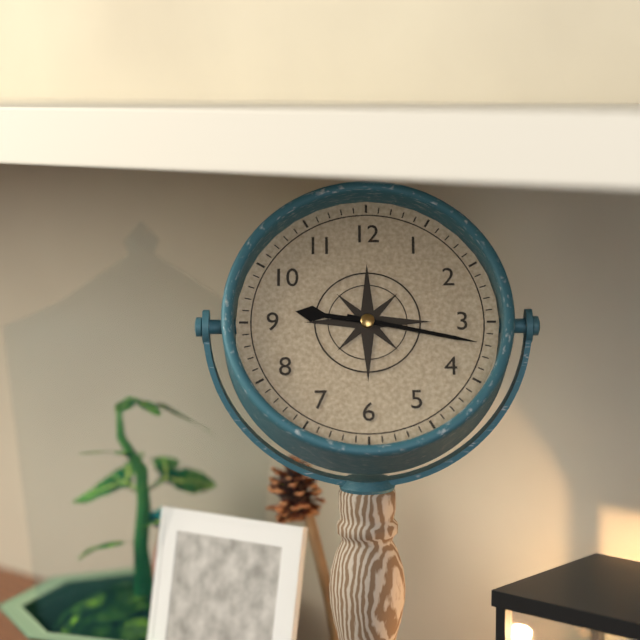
{"hour": 9, "minute": 17}
